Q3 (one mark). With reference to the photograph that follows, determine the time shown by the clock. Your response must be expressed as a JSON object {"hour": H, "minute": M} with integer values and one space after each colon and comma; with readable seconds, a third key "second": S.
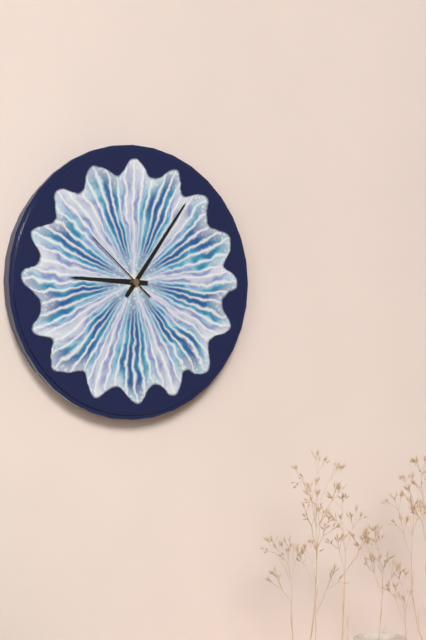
{"hour": 9, "minute": 6, "second": 52}
